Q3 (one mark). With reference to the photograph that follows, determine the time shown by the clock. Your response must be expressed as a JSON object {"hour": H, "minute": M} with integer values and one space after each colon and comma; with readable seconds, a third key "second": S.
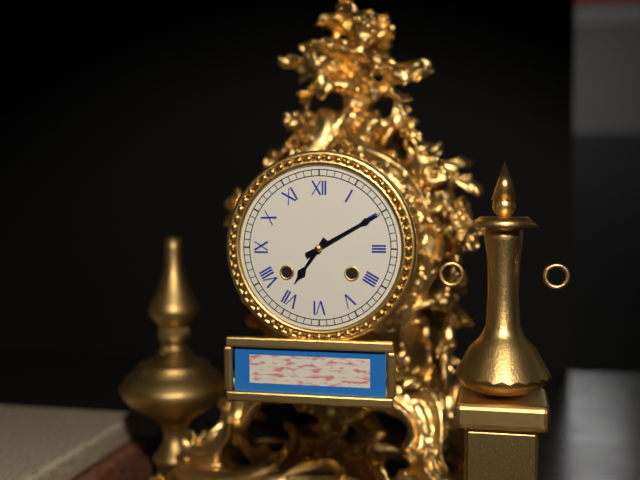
{"hour": 7, "minute": 10}
